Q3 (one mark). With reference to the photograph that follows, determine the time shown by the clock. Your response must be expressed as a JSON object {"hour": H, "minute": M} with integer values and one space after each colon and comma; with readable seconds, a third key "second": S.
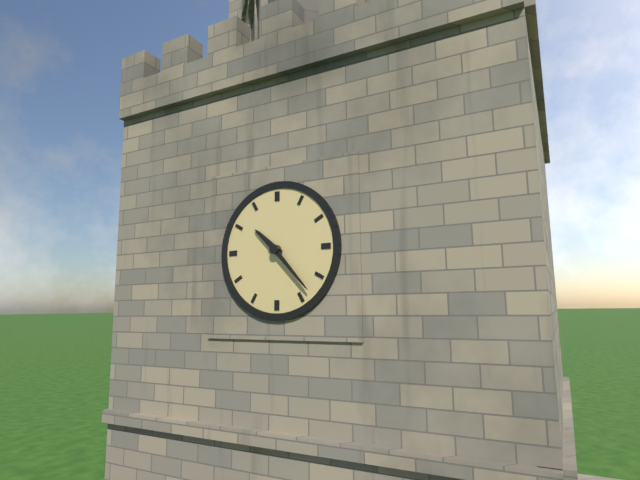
{"hour": 10, "minute": 23}
